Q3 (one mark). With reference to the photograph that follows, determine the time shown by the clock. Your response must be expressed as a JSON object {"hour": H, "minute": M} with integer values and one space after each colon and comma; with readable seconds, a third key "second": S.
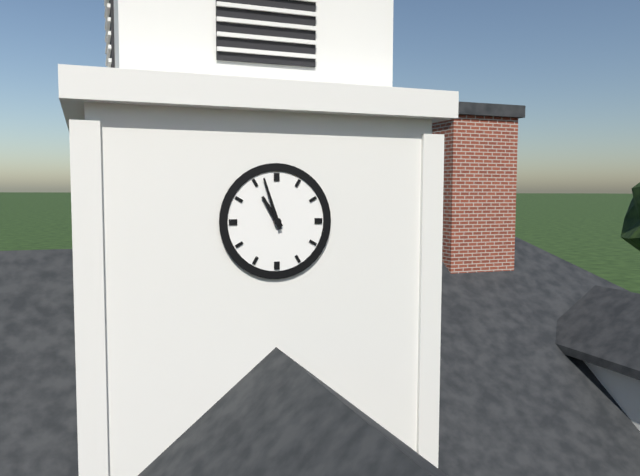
{"hour": 10, "minute": 57}
